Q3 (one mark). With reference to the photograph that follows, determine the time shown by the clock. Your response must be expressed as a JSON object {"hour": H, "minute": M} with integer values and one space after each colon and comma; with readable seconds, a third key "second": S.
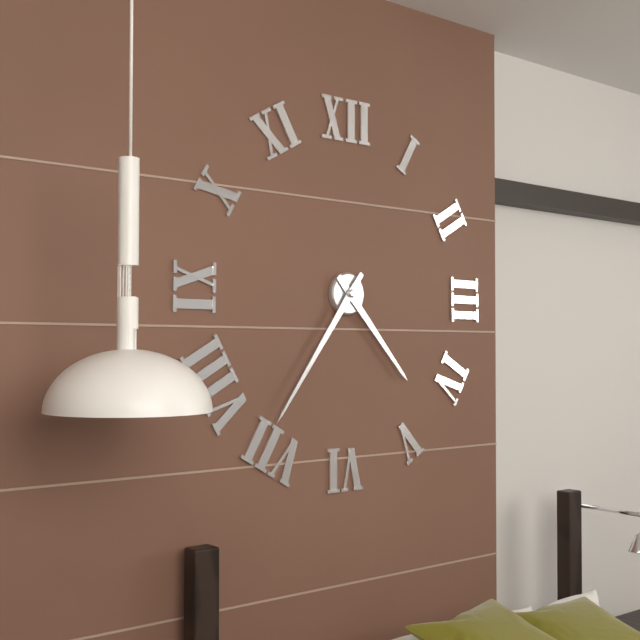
{"hour": 4, "minute": 36}
